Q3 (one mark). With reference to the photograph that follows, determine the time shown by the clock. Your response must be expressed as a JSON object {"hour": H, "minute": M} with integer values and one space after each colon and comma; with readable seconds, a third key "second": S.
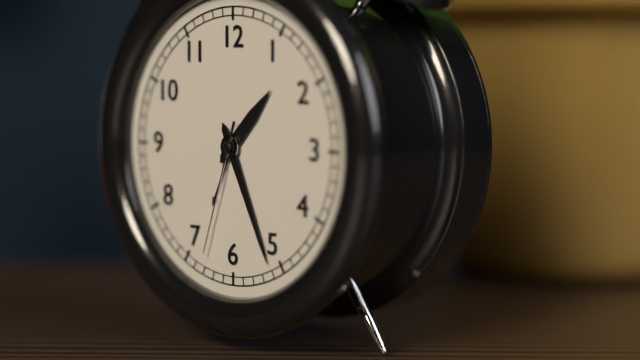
{"hour": 1, "minute": 26, "second": 33}
